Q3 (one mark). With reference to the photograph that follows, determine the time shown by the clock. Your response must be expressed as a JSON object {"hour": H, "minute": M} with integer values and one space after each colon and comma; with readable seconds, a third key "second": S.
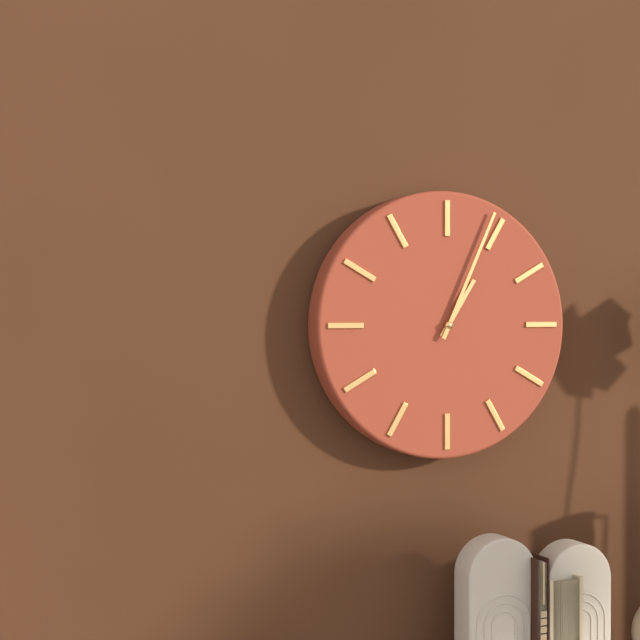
{"hour": 1, "minute": 4}
